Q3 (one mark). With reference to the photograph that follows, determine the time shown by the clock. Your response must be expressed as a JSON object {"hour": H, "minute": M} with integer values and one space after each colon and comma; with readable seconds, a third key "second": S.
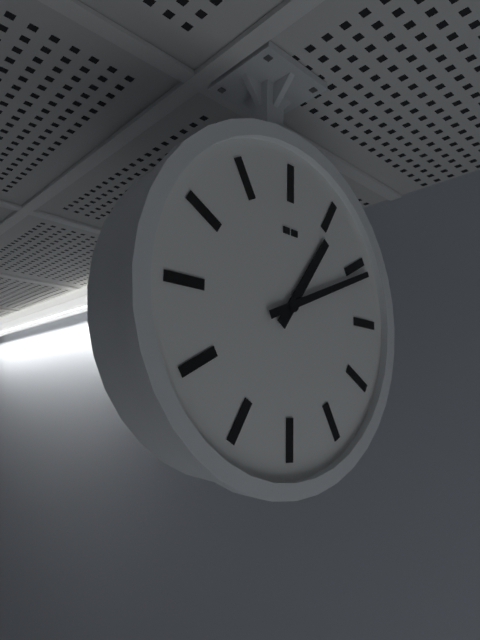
{"hour": 1, "minute": 11}
